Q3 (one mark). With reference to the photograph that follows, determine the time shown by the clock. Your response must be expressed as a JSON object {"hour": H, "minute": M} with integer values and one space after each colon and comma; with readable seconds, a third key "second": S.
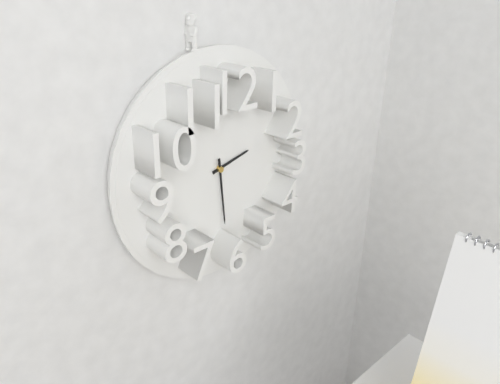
{"hour": 2, "minute": 29}
